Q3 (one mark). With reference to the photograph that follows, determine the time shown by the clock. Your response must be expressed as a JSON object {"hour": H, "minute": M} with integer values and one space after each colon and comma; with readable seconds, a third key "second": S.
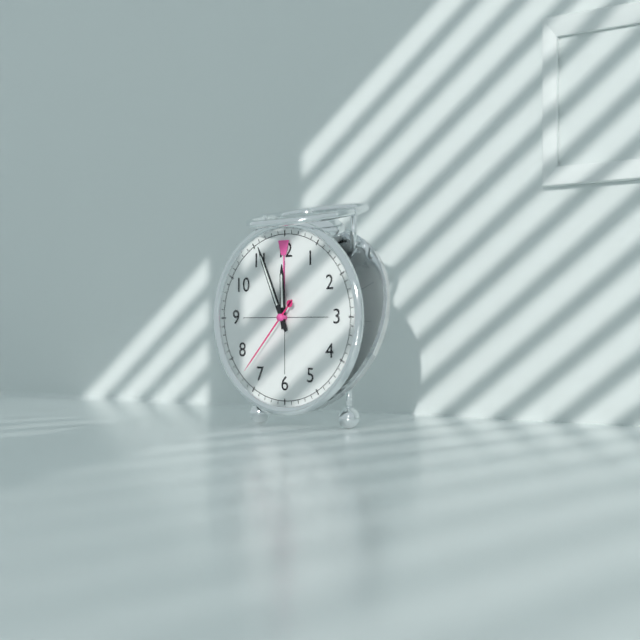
{"hour": 11, "minute": 56, "second": 37}
